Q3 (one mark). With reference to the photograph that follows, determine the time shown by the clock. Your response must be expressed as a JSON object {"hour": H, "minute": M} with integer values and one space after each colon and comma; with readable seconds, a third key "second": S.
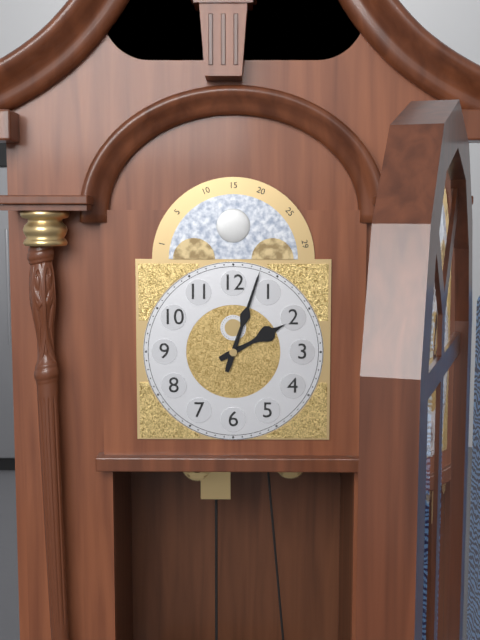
{"hour": 2, "minute": 3}
